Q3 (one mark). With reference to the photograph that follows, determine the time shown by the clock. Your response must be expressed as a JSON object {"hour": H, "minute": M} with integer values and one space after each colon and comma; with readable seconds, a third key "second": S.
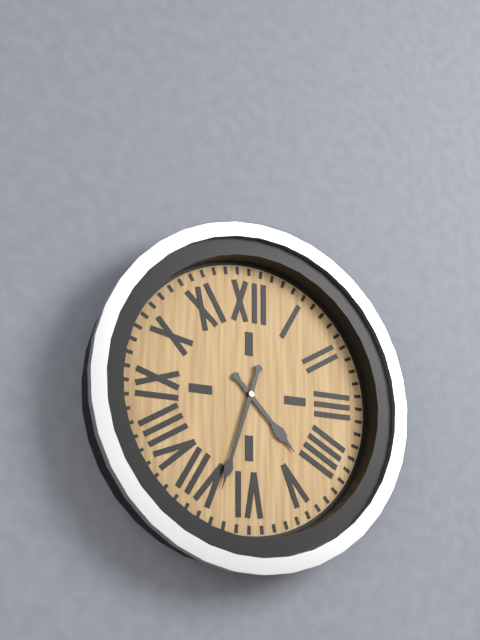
{"hour": 4, "minute": 33}
